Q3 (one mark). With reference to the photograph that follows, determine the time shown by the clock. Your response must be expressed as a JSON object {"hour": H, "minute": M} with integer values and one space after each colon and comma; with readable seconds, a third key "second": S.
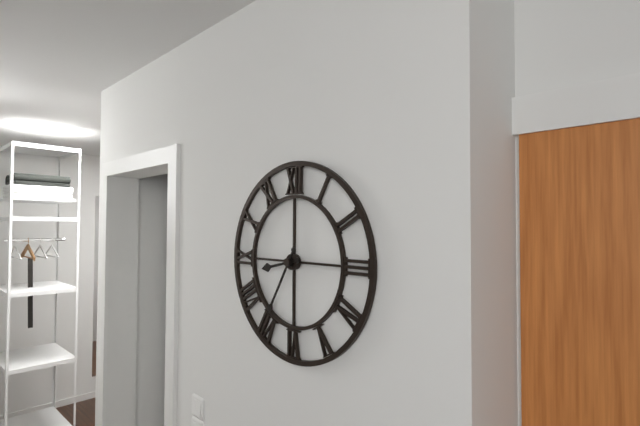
{"hour": 8, "minute": 35}
